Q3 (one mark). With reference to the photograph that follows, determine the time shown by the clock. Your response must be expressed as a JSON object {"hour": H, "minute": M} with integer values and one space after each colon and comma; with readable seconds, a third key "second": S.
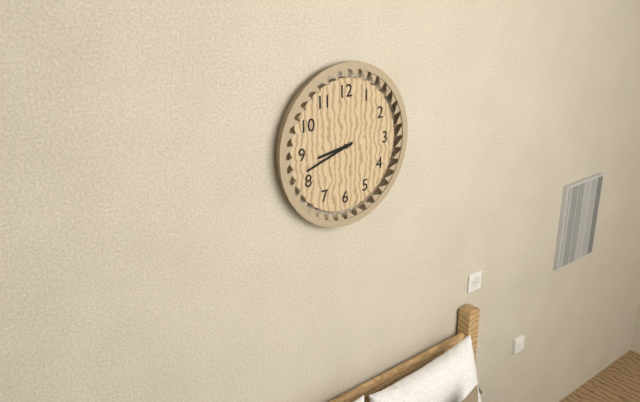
{"hour": 8, "minute": 42}
